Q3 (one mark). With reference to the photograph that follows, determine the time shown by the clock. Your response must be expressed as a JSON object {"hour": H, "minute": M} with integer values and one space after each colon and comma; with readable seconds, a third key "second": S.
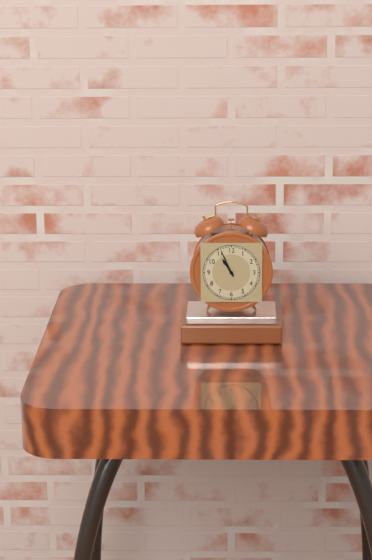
{"hour": 10, "minute": 56}
